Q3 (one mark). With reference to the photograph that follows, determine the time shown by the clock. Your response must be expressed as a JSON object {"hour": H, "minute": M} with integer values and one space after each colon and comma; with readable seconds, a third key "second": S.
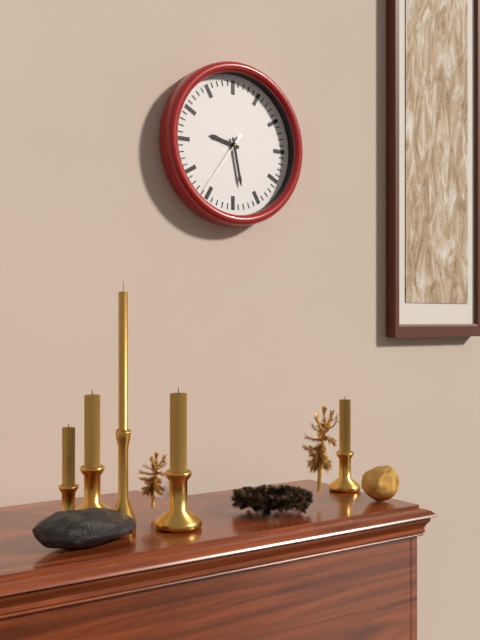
{"hour": 9, "minute": 28, "second": 36}
